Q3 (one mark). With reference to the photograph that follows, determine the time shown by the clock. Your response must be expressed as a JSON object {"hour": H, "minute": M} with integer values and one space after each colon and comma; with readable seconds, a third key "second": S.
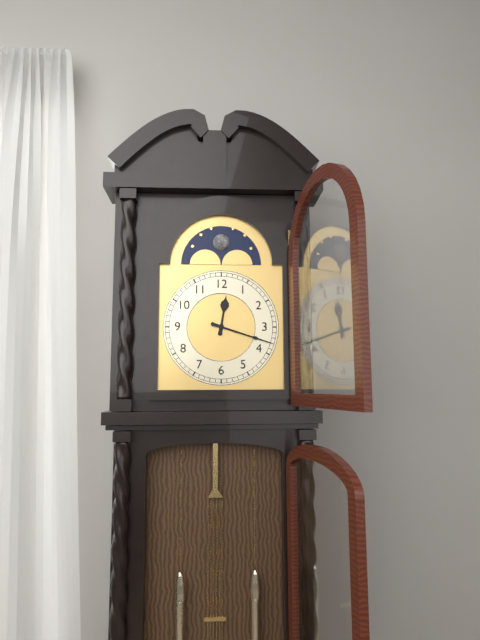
{"hour": 12, "minute": 18}
